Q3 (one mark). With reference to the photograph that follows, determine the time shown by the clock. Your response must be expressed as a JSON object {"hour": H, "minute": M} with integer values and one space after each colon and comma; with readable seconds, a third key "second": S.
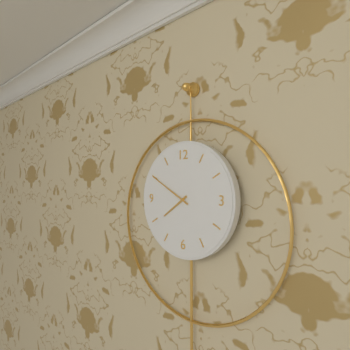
{"hour": 7, "minute": 50}
